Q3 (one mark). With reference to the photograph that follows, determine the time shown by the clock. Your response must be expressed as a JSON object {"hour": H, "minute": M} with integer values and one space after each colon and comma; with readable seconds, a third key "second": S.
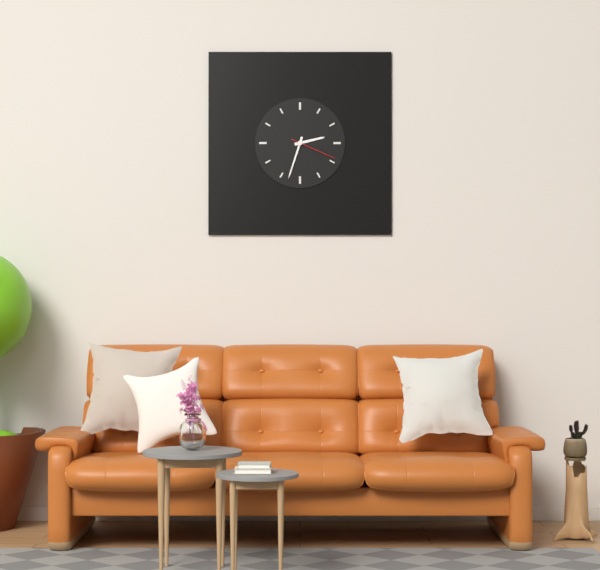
{"hour": 2, "minute": 33}
